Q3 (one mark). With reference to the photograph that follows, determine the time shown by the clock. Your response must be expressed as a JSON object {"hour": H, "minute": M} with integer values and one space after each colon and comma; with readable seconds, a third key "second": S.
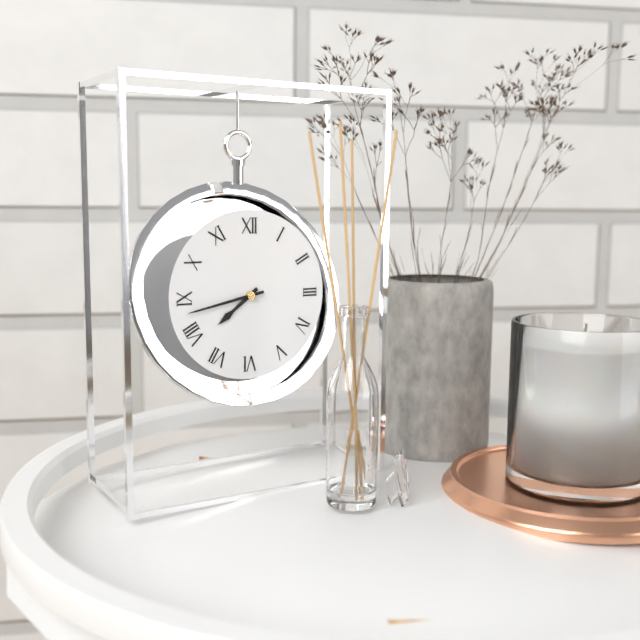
{"hour": 7, "minute": 43}
